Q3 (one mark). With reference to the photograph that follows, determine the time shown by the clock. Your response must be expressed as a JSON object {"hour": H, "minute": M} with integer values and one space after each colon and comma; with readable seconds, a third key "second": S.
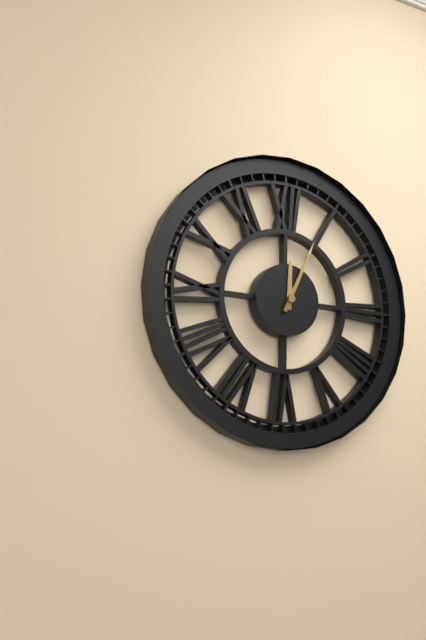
{"hour": 12, "minute": 4}
